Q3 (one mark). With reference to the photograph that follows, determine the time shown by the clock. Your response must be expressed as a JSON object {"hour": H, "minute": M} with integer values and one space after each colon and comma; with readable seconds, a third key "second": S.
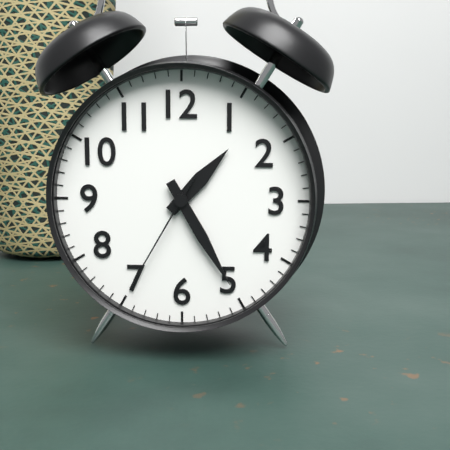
{"hour": 1, "minute": 25, "second": 35}
